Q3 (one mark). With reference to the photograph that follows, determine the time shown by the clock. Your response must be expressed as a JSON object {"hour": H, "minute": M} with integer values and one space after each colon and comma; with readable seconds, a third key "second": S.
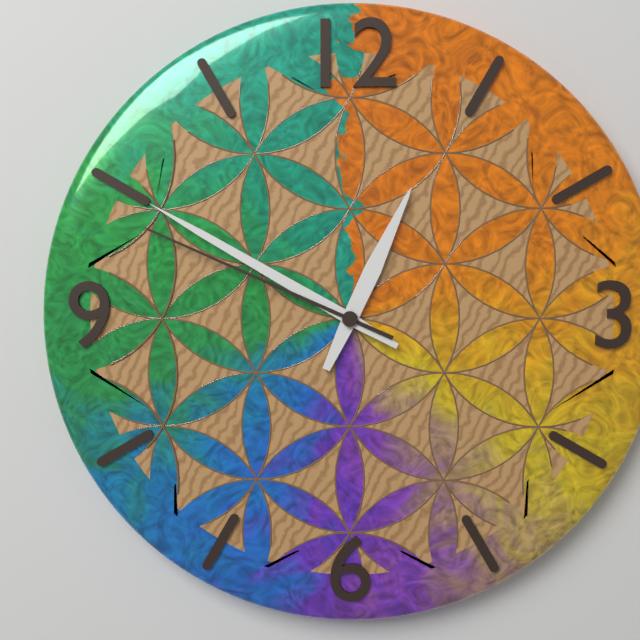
{"hour": 12, "minute": 50, "second": 49}
